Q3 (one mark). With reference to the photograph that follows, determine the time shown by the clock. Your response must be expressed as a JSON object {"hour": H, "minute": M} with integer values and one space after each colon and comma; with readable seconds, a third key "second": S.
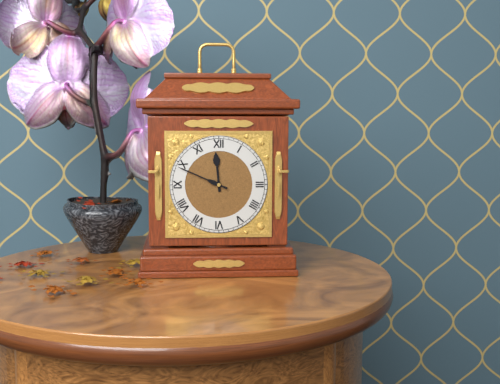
{"hour": 11, "minute": 49}
